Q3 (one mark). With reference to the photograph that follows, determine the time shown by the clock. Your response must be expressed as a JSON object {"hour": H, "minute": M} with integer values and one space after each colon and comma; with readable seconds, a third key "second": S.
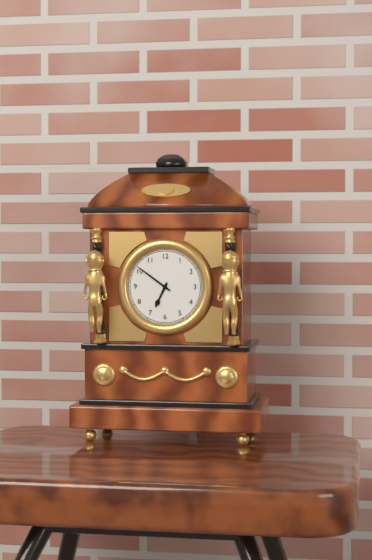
{"hour": 6, "minute": 51}
